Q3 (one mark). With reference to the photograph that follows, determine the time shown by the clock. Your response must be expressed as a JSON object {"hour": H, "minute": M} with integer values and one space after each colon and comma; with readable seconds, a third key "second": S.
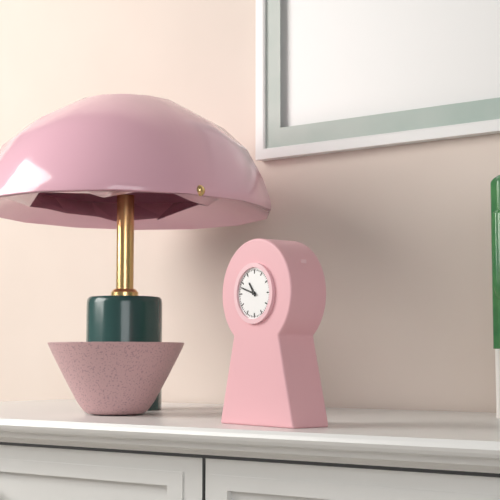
{"hour": 10, "minute": 48}
